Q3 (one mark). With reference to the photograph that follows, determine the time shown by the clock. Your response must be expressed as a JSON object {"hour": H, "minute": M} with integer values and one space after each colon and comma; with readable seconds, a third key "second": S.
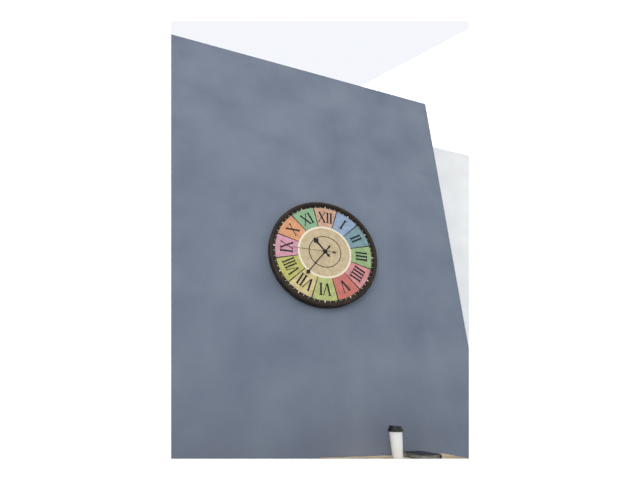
{"hour": 10, "minute": 36}
